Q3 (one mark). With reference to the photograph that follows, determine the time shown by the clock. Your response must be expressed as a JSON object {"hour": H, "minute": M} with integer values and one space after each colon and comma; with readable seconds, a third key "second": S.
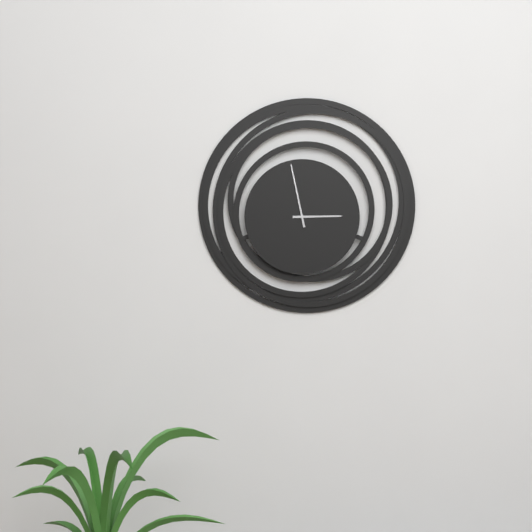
{"hour": 2, "minute": 58}
